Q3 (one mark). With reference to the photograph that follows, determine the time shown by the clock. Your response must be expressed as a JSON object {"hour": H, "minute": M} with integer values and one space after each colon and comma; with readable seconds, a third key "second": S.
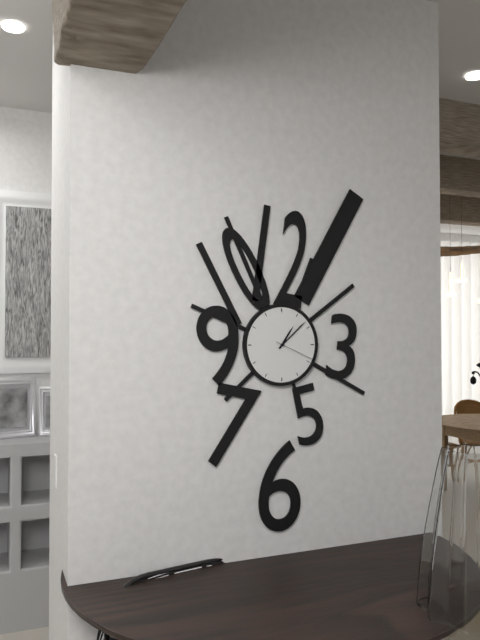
{"hour": 1, "minute": 8}
